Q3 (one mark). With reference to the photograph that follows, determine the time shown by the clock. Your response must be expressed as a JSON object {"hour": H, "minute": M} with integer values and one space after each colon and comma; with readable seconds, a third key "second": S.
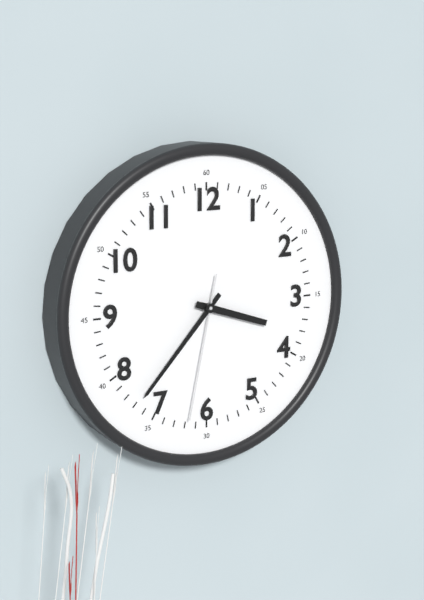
{"hour": 3, "minute": 37, "second": 32}
